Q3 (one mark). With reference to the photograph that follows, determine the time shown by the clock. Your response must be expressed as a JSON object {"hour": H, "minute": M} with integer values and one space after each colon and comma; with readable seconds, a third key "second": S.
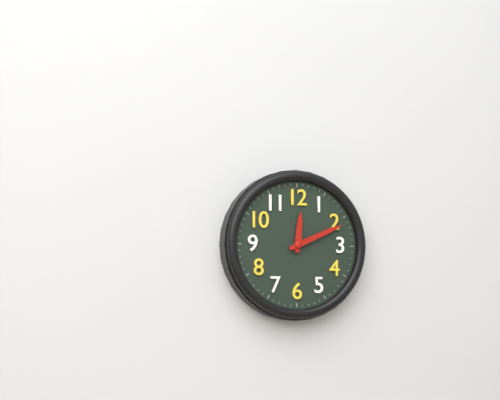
{"hour": 12, "minute": 11}
